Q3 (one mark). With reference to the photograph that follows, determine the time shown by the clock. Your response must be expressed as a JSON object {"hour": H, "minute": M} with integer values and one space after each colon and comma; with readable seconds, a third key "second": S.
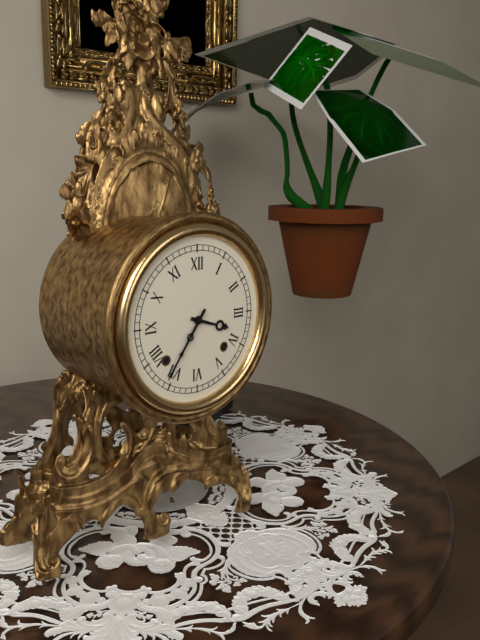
{"hour": 3, "minute": 36}
